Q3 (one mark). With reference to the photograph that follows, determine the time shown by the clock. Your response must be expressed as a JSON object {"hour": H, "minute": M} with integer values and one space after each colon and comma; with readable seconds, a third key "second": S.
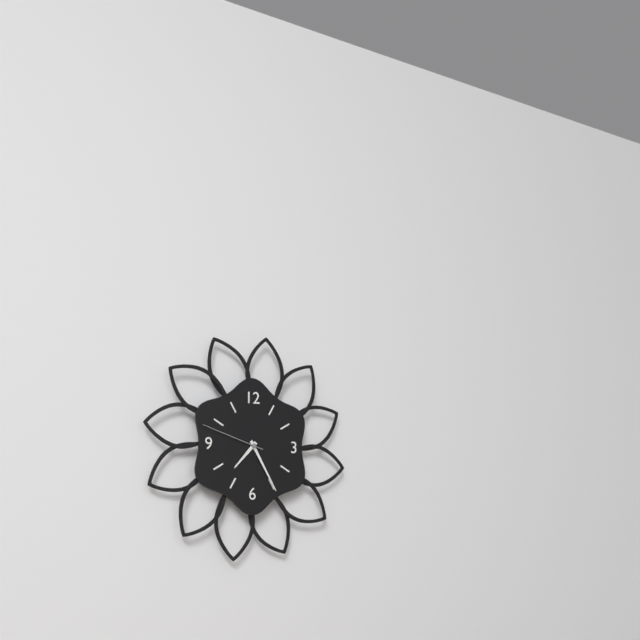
{"hour": 7, "minute": 25, "second": 48}
